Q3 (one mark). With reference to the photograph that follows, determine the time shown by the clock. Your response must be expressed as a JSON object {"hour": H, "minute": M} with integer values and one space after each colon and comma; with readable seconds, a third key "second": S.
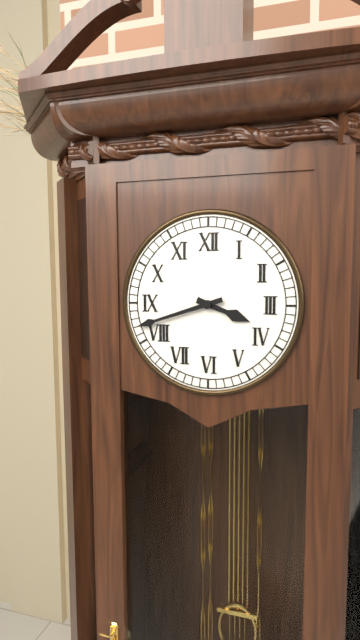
{"hour": 3, "minute": 42}
